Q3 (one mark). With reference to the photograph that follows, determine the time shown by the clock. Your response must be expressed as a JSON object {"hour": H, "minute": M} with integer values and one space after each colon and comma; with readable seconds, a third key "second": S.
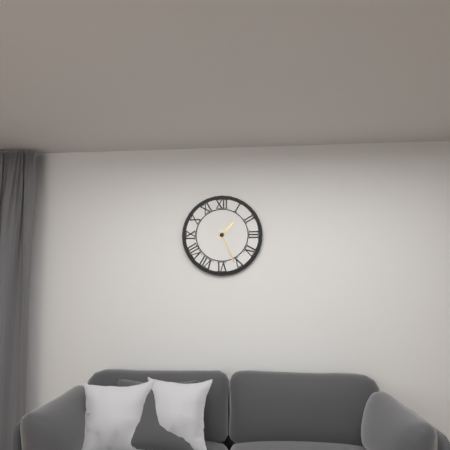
{"hour": 1, "minute": 26}
